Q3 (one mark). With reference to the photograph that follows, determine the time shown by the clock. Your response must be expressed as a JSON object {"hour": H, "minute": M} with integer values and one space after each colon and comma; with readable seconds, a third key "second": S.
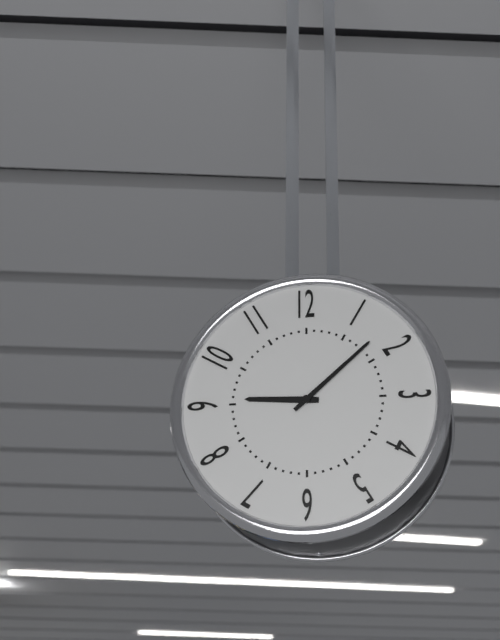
{"hour": 9, "minute": 8}
